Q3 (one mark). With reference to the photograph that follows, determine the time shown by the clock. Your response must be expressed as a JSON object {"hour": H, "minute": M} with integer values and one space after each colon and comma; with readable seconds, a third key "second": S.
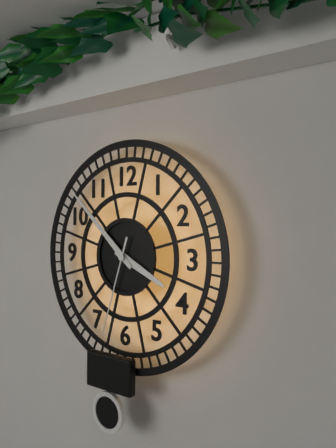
{"hour": 3, "minute": 52, "second": 33}
